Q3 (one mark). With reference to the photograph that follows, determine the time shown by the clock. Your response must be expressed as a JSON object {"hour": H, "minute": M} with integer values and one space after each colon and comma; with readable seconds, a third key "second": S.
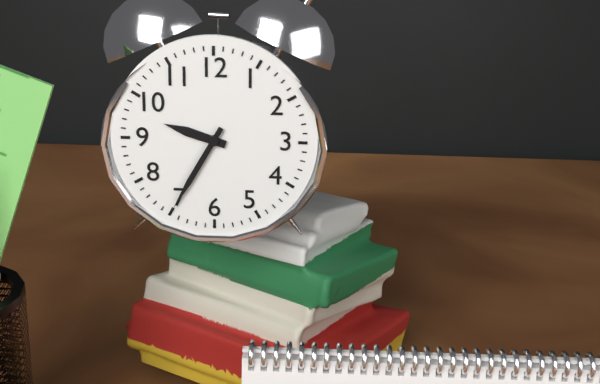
{"hour": 9, "minute": 35}
